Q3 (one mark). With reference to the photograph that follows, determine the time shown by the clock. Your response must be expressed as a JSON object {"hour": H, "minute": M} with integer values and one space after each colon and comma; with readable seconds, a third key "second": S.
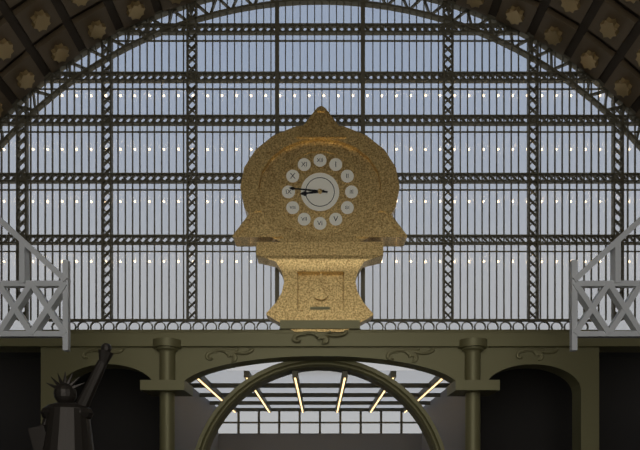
{"hour": 8, "minute": 46}
